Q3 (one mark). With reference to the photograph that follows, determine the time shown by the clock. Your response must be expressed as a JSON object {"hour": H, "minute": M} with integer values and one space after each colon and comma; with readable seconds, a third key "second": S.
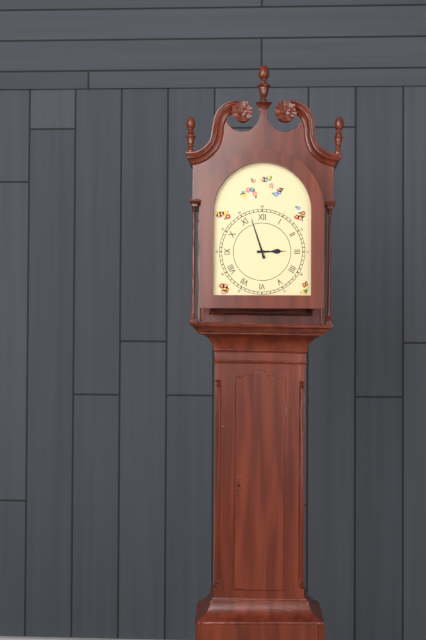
{"hour": 2, "minute": 57}
